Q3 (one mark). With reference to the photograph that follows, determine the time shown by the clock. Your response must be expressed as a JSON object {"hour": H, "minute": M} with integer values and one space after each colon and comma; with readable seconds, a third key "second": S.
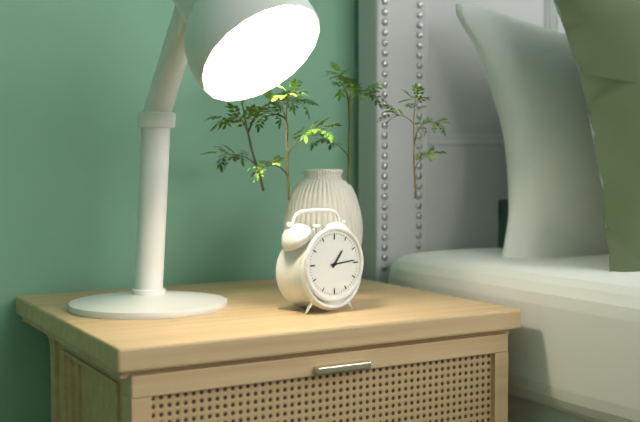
{"hour": 1, "minute": 14}
